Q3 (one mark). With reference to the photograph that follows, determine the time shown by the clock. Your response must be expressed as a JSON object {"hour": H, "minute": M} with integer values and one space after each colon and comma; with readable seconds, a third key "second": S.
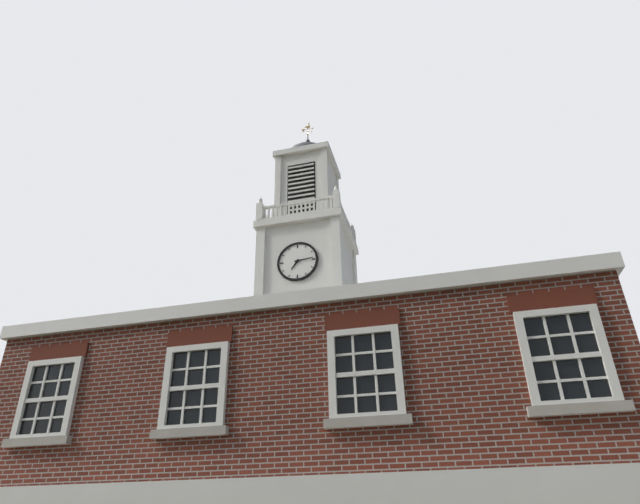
{"hour": 7, "minute": 14}
